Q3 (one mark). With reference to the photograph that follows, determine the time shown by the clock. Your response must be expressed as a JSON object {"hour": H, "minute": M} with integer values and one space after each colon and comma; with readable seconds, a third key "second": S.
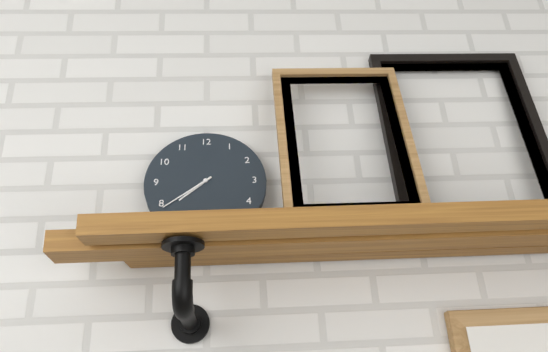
{"hour": 7, "minute": 39}
